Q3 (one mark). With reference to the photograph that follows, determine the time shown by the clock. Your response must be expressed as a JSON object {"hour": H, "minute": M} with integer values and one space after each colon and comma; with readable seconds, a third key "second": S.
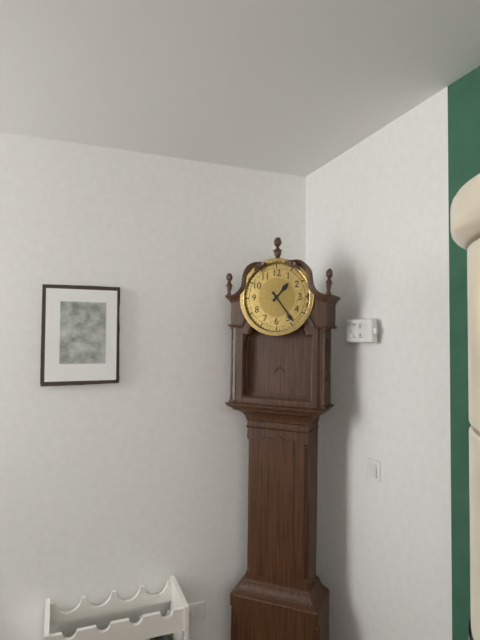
{"hour": 1, "minute": 24}
